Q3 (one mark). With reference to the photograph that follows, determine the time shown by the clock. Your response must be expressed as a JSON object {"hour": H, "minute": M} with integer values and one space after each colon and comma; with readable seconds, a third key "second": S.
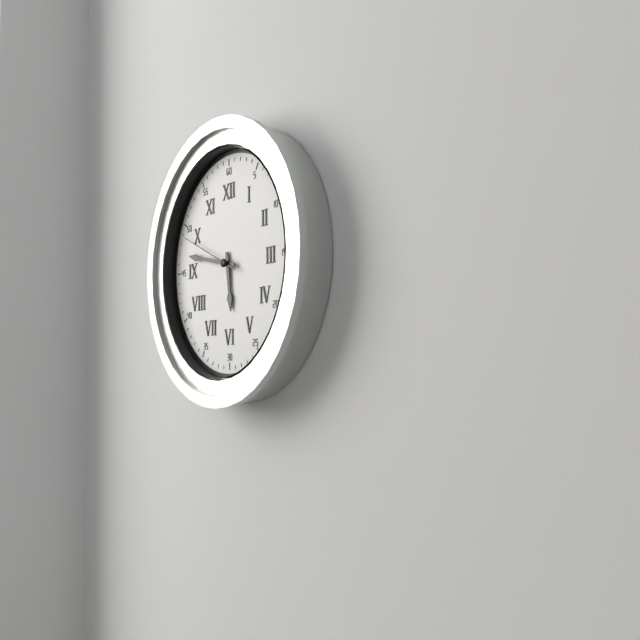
{"hour": 5, "minute": 47, "second": 49}
